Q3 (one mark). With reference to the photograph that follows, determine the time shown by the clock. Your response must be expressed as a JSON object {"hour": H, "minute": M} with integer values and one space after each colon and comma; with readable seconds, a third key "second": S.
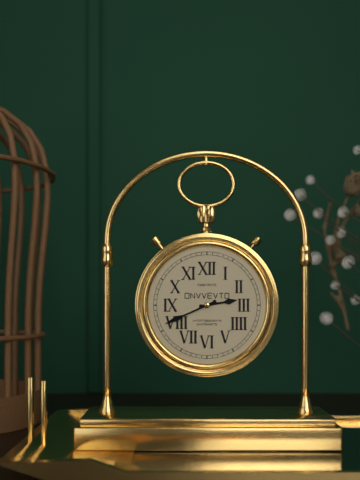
{"hour": 2, "minute": 41}
